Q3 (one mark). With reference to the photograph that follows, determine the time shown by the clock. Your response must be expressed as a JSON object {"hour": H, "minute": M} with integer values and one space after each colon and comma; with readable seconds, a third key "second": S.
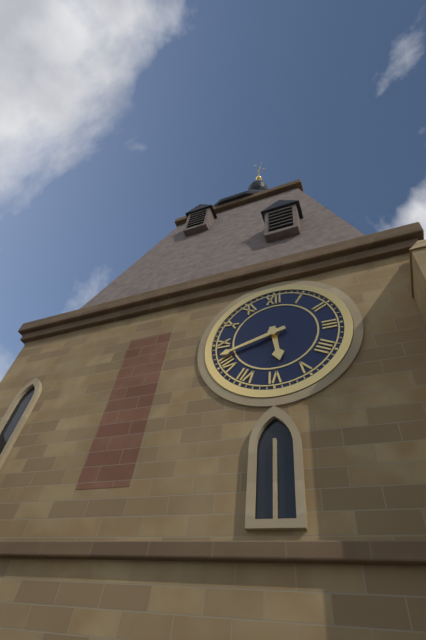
{"hour": 5, "minute": 42}
